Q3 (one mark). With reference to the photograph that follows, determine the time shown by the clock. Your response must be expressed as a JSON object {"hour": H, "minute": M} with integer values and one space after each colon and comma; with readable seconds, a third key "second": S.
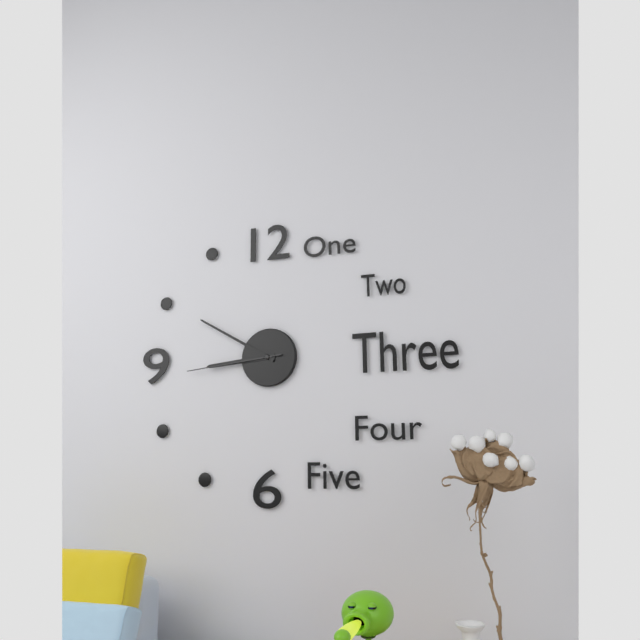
{"hour": 8, "minute": 50, "second": 44}
